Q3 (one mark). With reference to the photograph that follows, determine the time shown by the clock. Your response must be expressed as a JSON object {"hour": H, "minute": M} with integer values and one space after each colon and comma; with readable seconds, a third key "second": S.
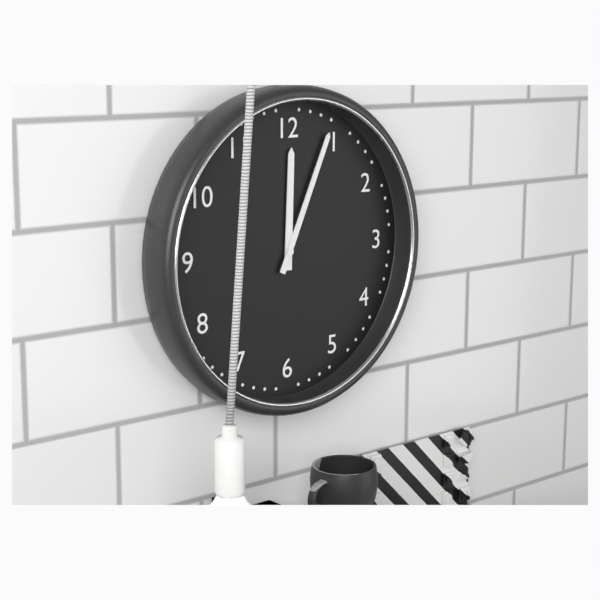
{"hour": 12, "minute": 4}
